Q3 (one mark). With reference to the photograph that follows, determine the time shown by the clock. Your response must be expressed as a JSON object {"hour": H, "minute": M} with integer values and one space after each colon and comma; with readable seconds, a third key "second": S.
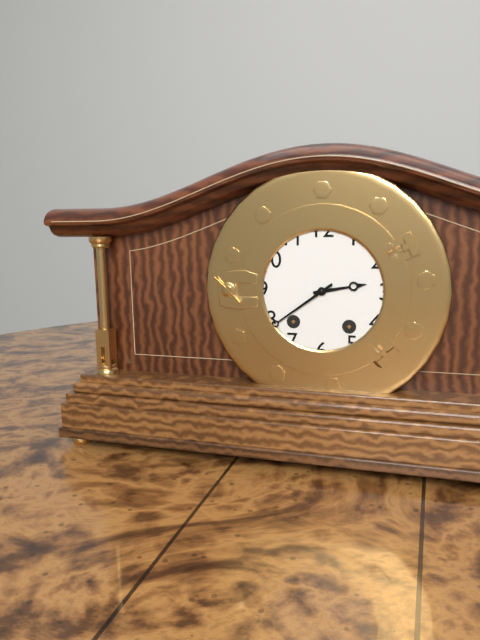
{"hour": 2, "minute": 39}
